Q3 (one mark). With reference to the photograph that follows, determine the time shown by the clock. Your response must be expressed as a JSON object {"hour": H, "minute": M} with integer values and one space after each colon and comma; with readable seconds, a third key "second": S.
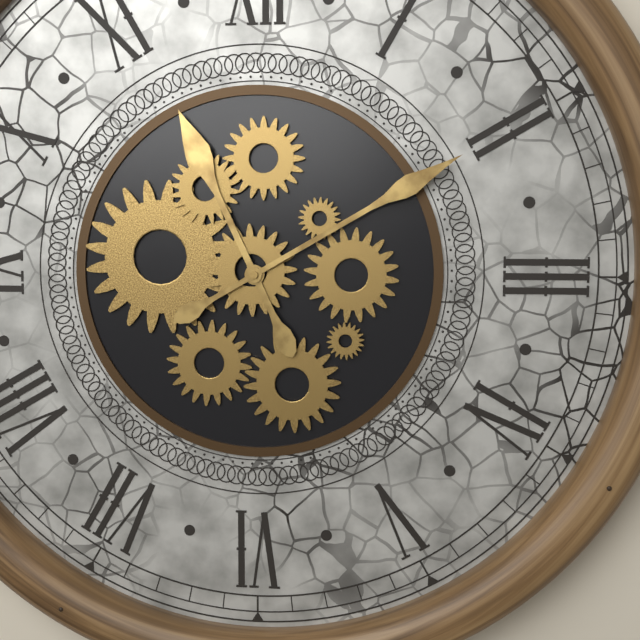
{"hour": 11, "minute": 10}
